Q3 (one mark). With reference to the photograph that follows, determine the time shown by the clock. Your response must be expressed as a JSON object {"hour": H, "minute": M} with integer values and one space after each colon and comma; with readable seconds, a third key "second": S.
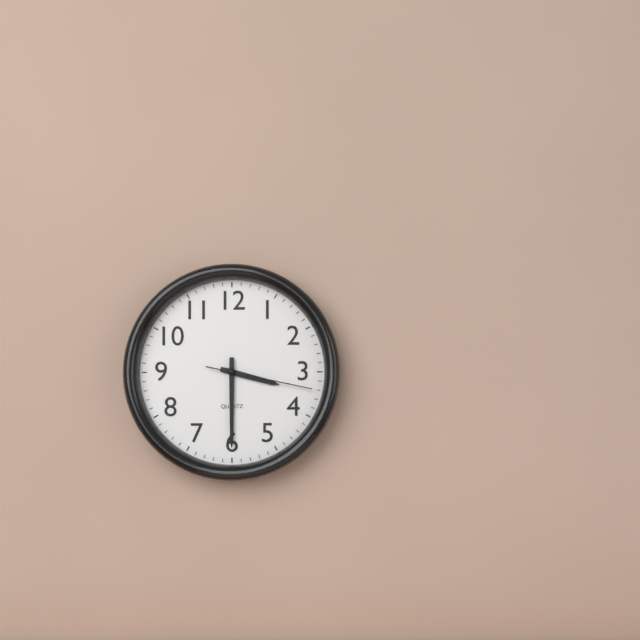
{"hour": 3, "minute": 30, "second": 17}
